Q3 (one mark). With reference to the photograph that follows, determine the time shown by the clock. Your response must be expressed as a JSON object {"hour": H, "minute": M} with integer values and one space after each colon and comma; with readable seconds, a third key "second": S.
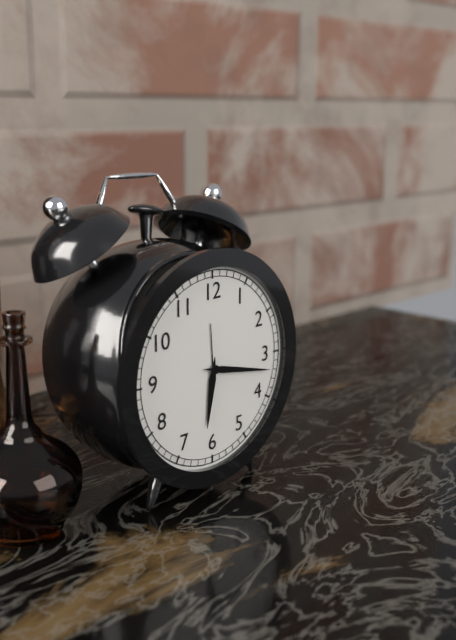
{"hour": 6, "minute": 17}
